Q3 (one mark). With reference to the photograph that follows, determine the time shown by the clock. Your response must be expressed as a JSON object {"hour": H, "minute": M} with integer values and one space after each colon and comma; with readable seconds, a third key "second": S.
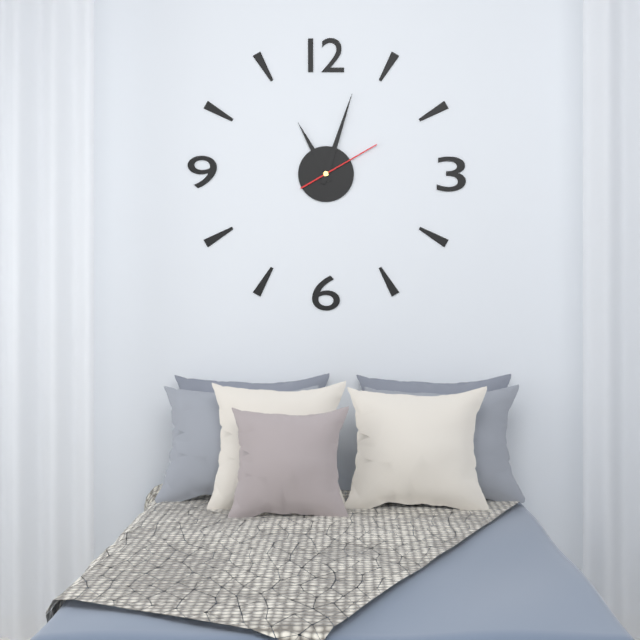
{"hour": 11, "minute": 3, "second": 10}
